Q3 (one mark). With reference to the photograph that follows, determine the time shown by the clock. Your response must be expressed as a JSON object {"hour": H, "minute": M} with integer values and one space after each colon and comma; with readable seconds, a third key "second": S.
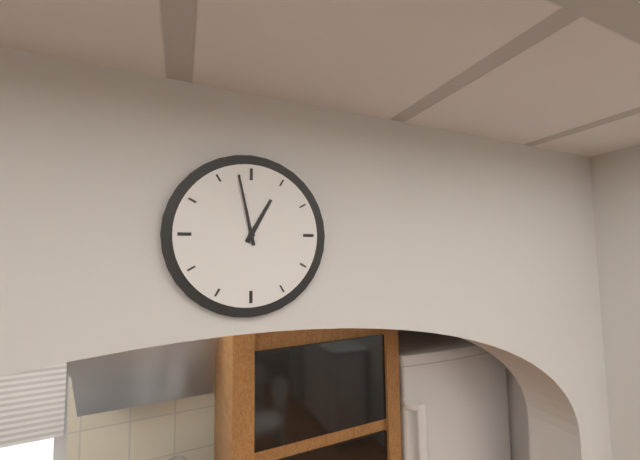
{"hour": 12, "minute": 58}
